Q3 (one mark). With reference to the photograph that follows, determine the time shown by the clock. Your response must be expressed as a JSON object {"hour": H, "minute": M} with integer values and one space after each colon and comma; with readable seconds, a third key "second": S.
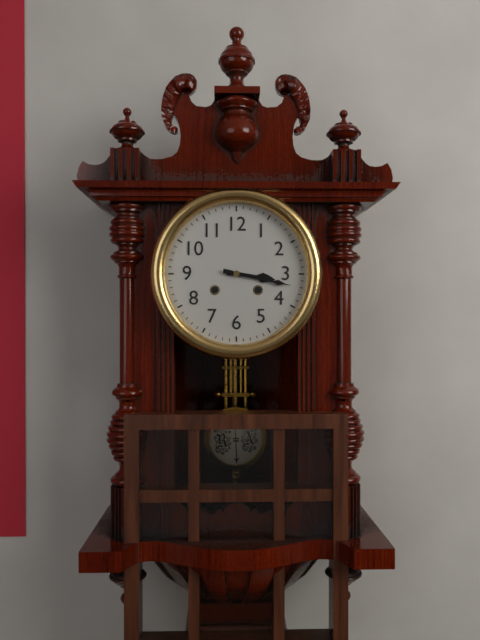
{"hour": 3, "minute": 17}
